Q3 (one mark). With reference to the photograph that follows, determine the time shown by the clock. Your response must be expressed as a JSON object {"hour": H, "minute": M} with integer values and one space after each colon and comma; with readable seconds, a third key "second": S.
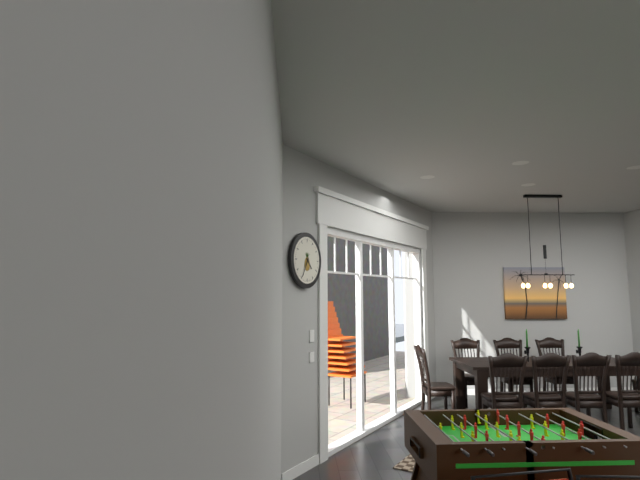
{"hour": 4, "minute": 35}
